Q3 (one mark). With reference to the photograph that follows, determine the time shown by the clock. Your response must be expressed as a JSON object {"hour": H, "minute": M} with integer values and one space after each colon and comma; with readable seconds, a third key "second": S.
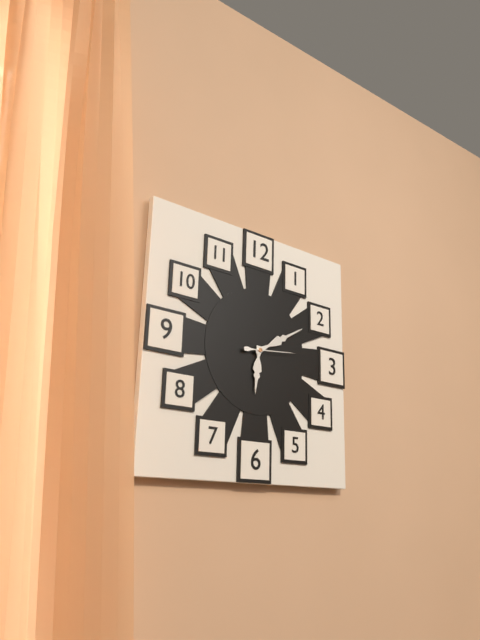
{"hour": 6, "minute": 10}
